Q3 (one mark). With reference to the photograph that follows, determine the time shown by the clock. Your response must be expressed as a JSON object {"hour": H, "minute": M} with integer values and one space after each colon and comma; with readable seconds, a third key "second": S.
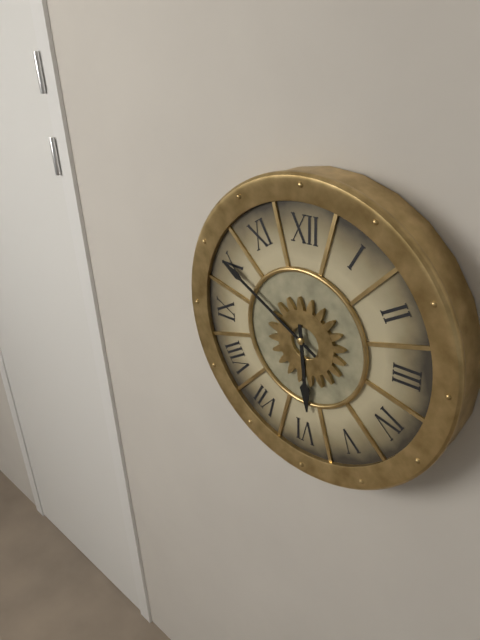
{"hour": 5, "minute": 50}
